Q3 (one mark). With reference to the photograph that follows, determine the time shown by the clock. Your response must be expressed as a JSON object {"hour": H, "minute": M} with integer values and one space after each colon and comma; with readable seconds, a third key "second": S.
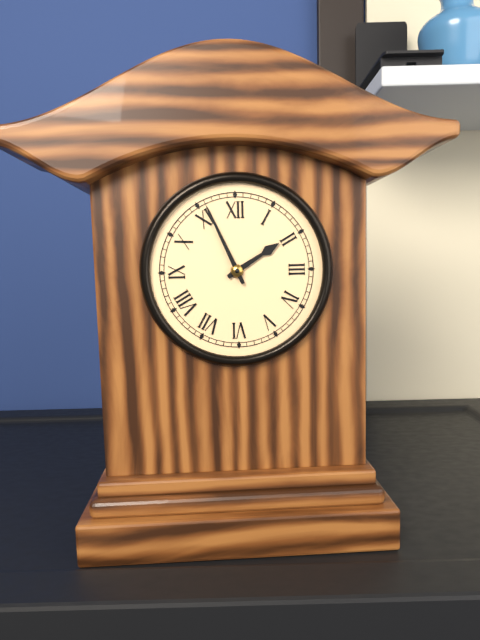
{"hour": 1, "minute": 56}
